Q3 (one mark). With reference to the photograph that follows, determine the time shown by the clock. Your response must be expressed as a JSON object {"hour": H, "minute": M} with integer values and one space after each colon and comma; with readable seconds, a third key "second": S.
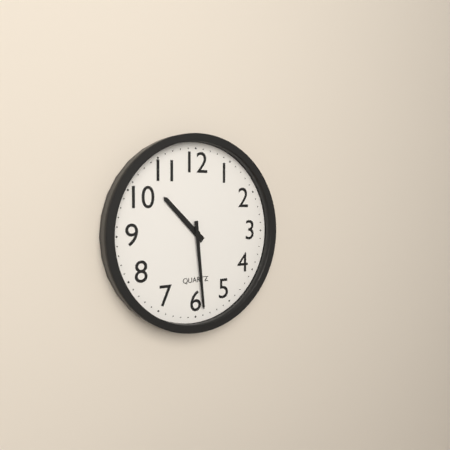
{"hour": 10, "minute": 29}
